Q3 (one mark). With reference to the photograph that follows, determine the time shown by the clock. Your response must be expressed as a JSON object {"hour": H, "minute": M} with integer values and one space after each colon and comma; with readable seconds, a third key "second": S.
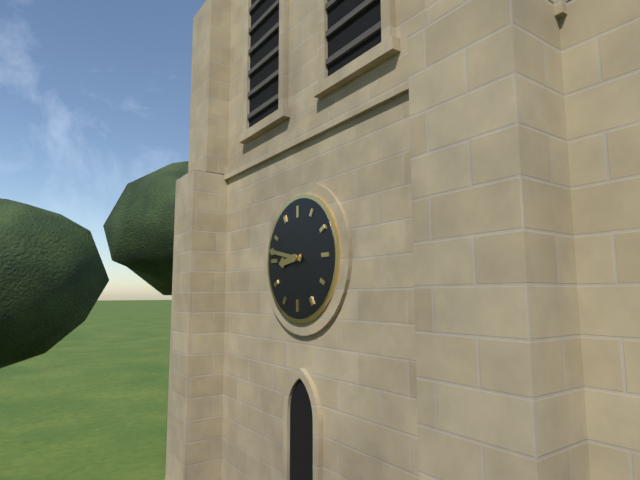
{"hour": 8, "minute": 47}
